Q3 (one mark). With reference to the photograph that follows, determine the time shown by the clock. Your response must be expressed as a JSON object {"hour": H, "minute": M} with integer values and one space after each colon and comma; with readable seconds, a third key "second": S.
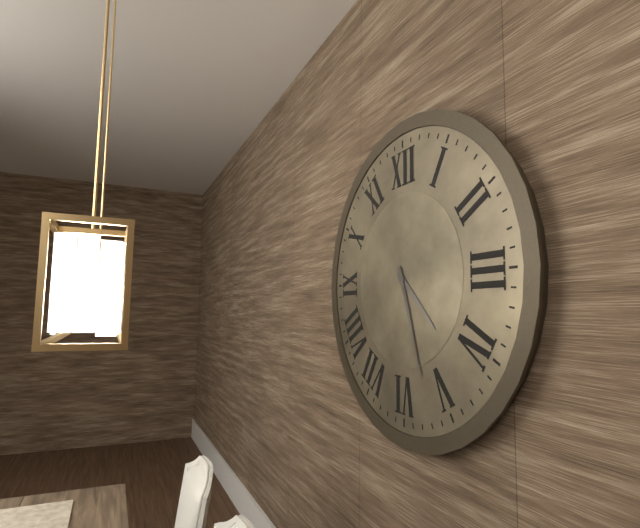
{"hour": 4, "minute": 27}
